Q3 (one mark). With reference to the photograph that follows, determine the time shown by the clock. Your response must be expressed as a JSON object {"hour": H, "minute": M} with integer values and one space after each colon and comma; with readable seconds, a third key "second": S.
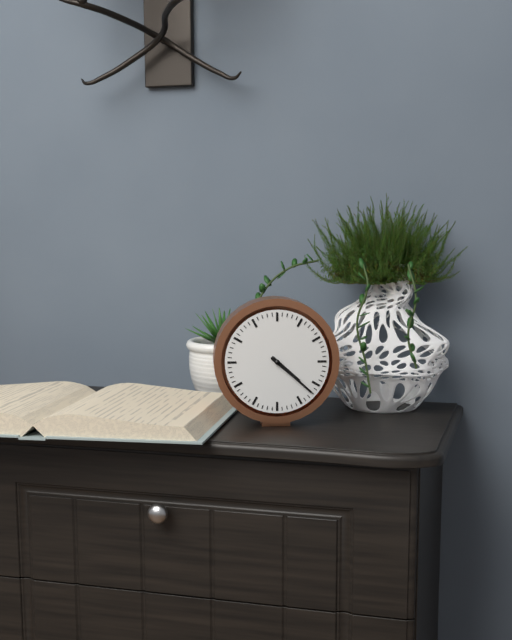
{"hour": 4, "minute": 22}
